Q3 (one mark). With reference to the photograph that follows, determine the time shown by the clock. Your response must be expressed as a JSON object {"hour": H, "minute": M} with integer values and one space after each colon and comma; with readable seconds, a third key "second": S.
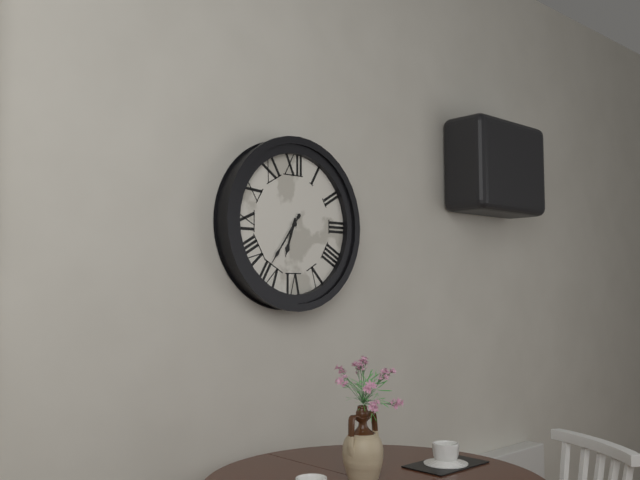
{"hour": 6, "minute": 36}
